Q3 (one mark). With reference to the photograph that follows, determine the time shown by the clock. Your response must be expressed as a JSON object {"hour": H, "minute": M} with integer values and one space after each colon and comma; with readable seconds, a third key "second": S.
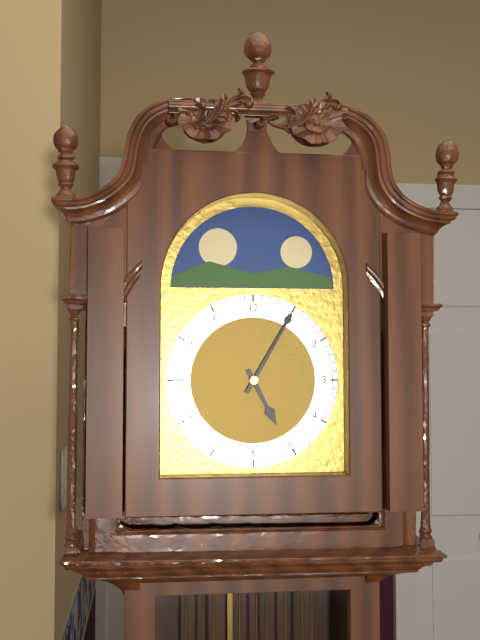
{"hour": 5, "minute": 5}
